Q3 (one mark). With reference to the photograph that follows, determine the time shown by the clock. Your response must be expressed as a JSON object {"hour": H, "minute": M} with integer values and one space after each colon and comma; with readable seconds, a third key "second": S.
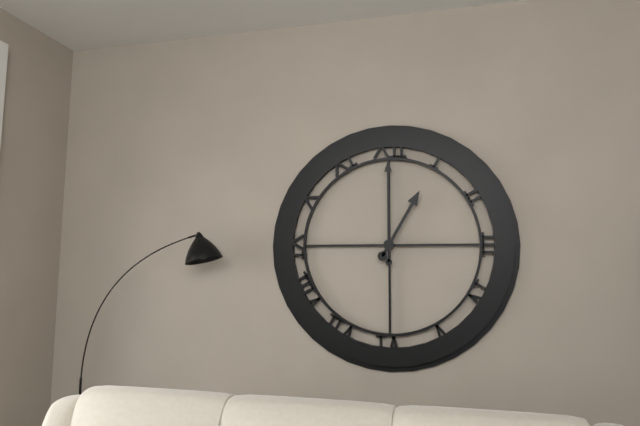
{"hour": 1, "minute": 0}
